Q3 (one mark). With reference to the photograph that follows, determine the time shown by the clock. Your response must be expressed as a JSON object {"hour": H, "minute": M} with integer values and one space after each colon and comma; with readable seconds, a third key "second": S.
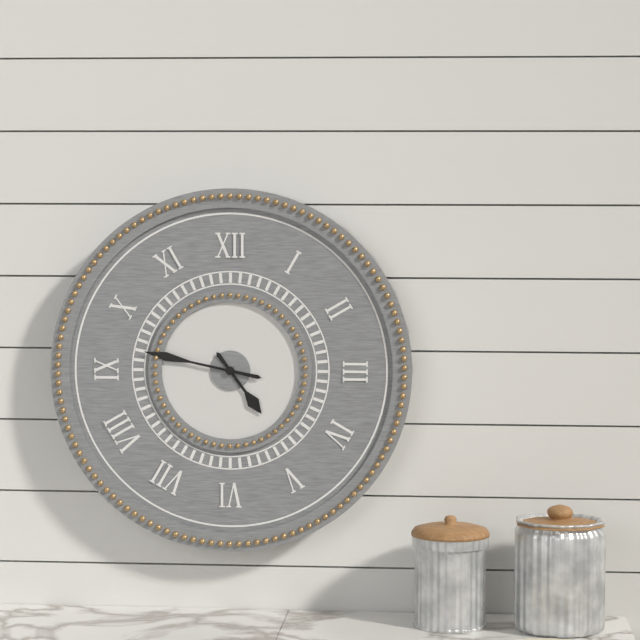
{"hour": 4, "minute": 47}
